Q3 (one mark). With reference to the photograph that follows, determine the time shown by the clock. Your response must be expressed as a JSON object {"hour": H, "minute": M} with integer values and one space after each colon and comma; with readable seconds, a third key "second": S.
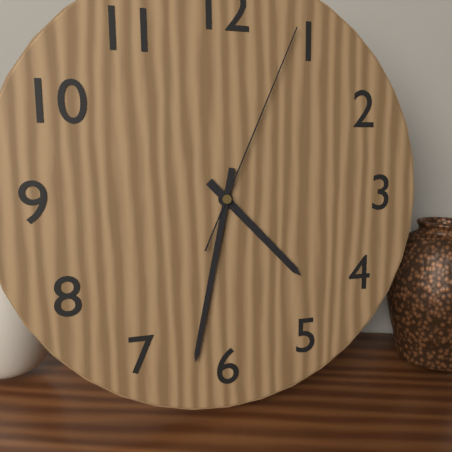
{"hour": 4, "minute": 32, "second": 4}
